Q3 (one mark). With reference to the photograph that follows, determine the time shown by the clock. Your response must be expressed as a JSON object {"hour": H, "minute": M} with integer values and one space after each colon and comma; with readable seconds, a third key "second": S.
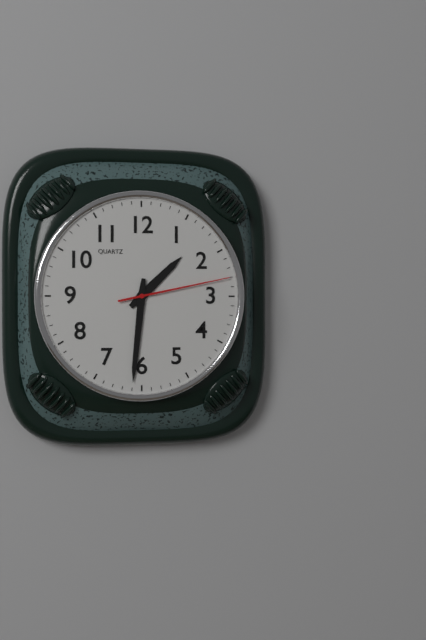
{"hour": 1, "minute": 31, "second": 13}
